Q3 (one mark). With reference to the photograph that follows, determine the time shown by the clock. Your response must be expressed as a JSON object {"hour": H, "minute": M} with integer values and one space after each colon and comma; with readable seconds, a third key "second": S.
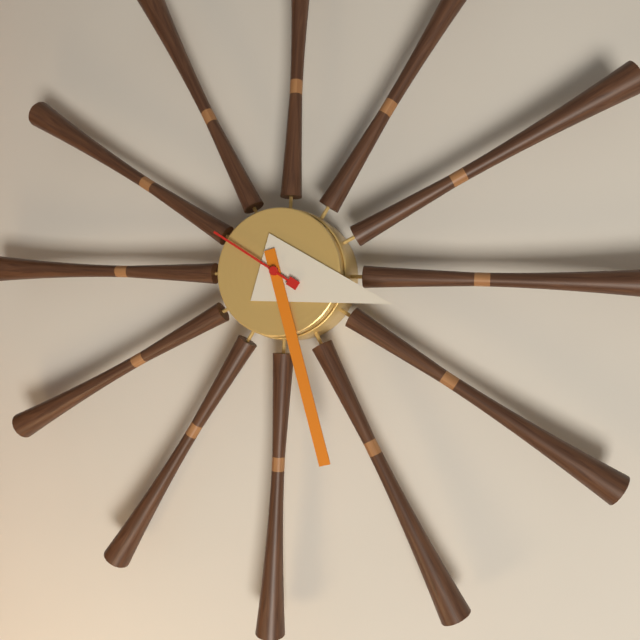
{"hour": 3, "minute": 27, "second": 50}
